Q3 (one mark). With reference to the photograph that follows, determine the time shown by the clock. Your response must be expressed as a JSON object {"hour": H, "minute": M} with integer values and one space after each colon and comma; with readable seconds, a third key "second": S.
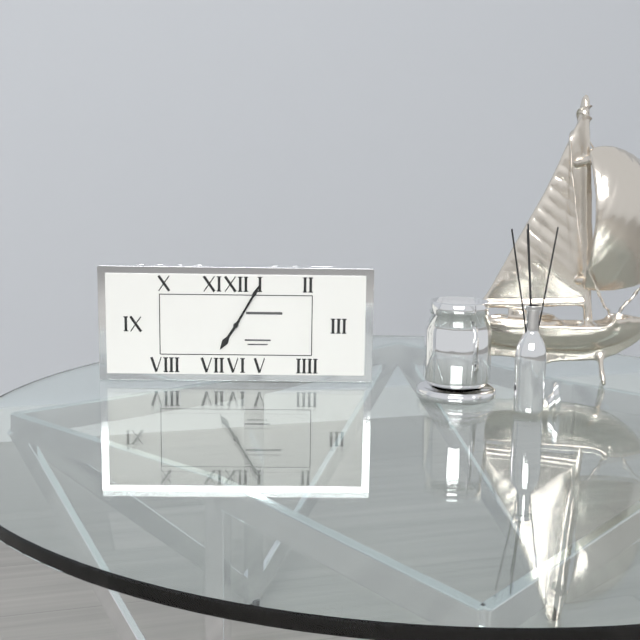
{"hour": 7, "minute": 5}
